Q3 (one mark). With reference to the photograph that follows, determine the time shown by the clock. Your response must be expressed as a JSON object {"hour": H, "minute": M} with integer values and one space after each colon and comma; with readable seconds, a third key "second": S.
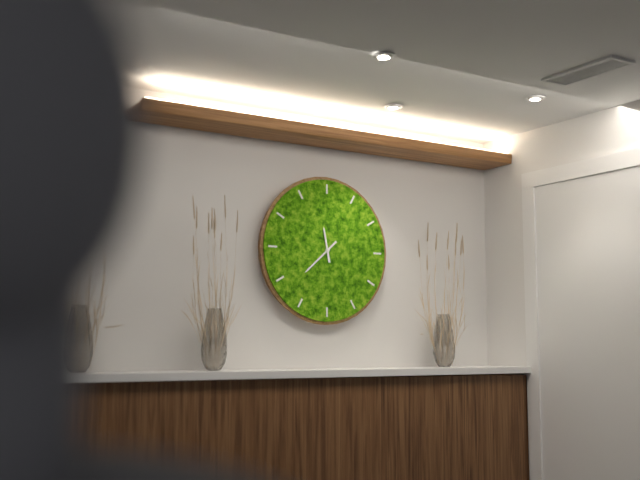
{"hour": 11, "minute": 38}
